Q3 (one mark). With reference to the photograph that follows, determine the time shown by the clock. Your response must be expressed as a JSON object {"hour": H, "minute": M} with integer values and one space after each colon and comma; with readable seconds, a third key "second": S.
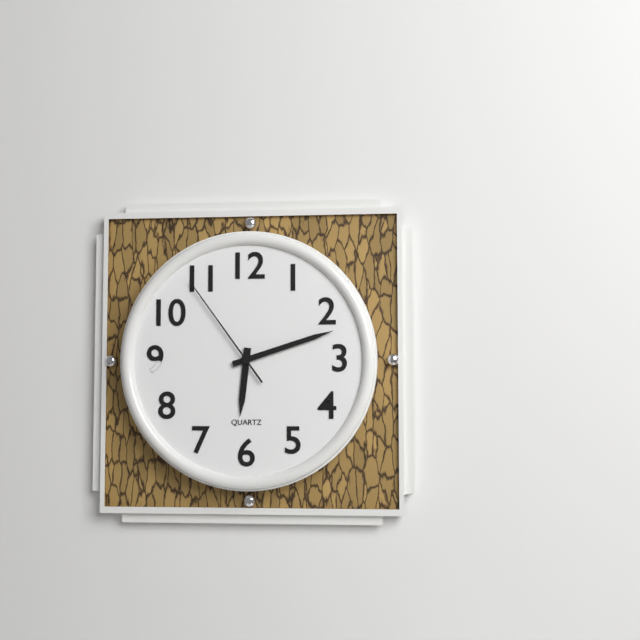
{"hour": 6, "minute": 12, "second": 54}
